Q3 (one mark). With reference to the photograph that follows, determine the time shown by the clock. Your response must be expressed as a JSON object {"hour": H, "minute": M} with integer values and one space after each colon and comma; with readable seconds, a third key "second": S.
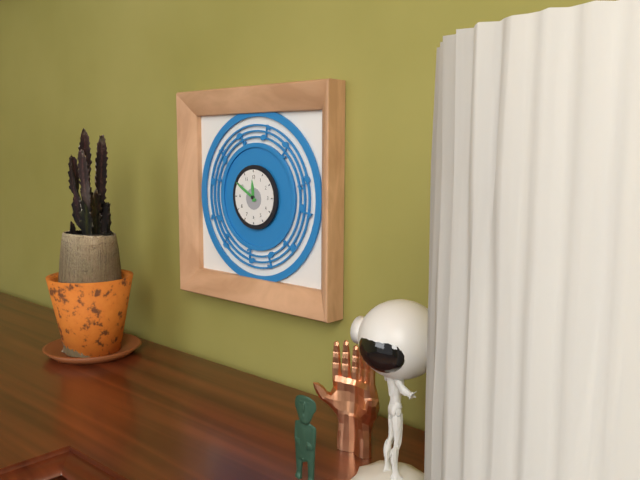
{"hour": 11, "minute": 50}
